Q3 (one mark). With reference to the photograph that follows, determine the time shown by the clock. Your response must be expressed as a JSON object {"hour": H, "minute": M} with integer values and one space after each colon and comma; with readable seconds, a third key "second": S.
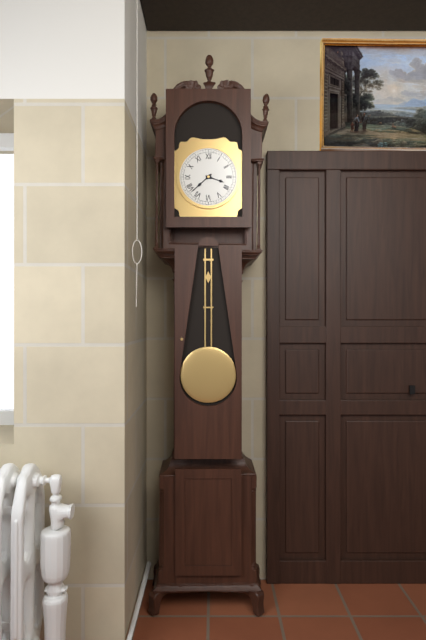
{"hour": 3, "minute": 38}
